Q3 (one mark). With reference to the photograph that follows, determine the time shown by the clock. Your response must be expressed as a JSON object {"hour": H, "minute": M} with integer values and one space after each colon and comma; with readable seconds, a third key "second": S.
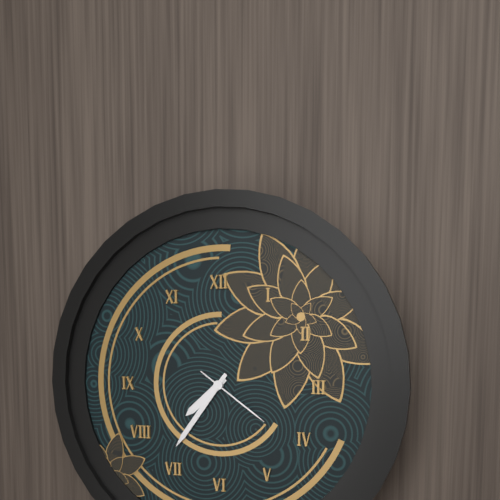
{"hour": 7, "minute": 36, "second": 21}
